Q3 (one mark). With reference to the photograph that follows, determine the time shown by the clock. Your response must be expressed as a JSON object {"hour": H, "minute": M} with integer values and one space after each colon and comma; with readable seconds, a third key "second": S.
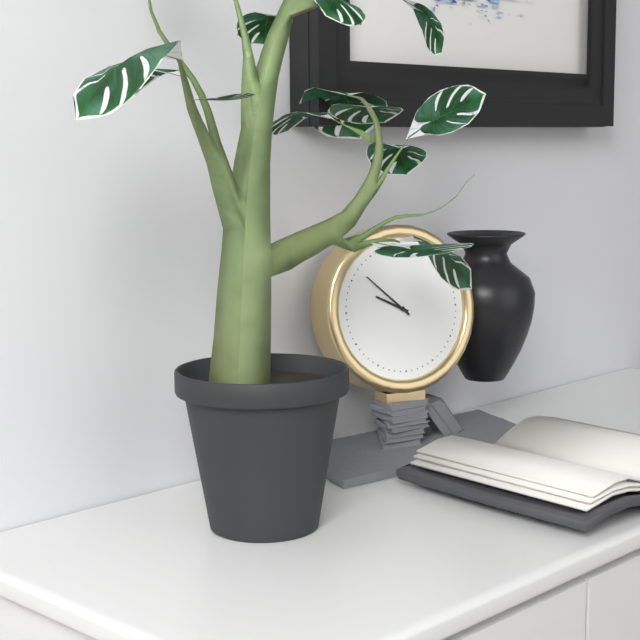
{"hour": 9, "minute": 52}
